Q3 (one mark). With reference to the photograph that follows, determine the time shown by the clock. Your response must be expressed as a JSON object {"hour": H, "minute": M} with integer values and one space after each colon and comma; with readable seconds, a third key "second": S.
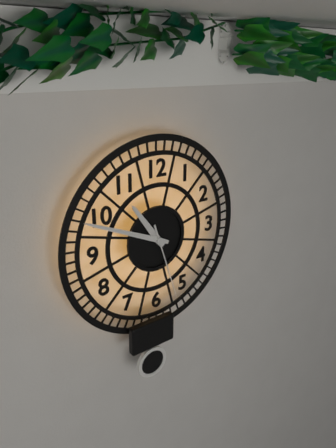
{"hour": 10, "minute": 49, "second": 27}
